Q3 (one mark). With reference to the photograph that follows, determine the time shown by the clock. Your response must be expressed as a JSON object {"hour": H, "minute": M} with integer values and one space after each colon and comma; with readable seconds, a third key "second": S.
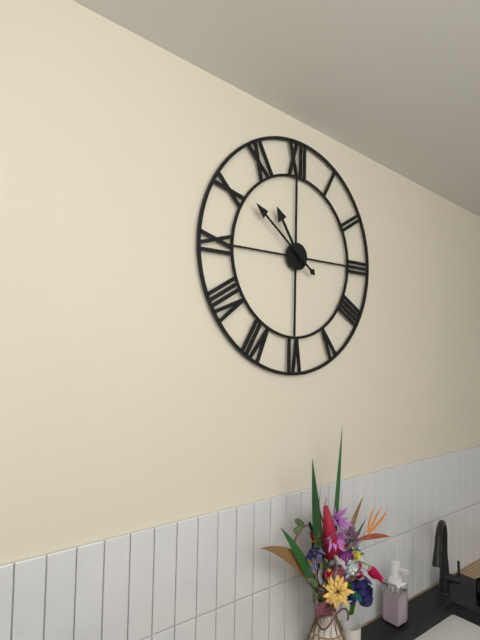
{"hour": 10, "minute": 51}
